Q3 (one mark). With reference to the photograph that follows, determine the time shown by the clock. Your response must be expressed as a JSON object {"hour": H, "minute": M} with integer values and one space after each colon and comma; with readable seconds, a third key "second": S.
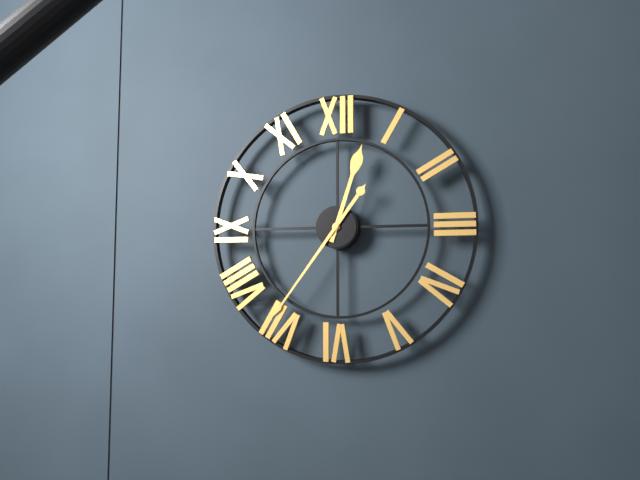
{"hour": 12, "minute": 36}
